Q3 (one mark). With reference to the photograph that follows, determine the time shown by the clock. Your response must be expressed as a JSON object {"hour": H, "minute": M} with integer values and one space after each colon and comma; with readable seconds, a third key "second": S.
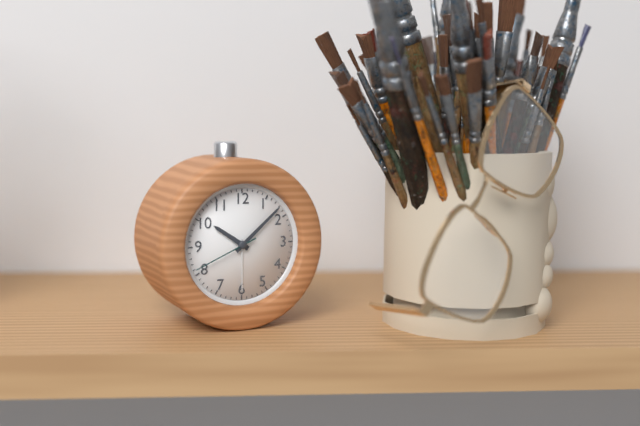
{"hour": 10, "minute": 8, "second": 41}
